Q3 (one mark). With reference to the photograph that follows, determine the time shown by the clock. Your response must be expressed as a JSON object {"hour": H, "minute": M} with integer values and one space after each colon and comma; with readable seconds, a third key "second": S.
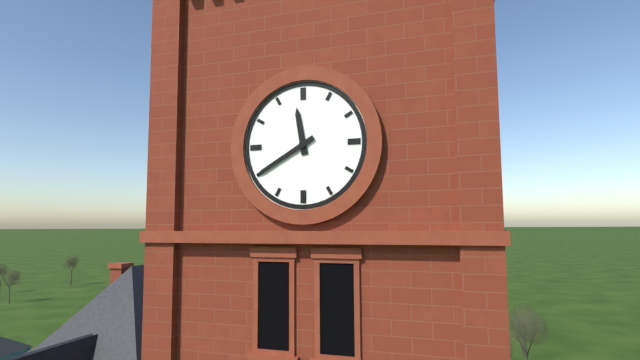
{"hour": 11, "minute": 40}
